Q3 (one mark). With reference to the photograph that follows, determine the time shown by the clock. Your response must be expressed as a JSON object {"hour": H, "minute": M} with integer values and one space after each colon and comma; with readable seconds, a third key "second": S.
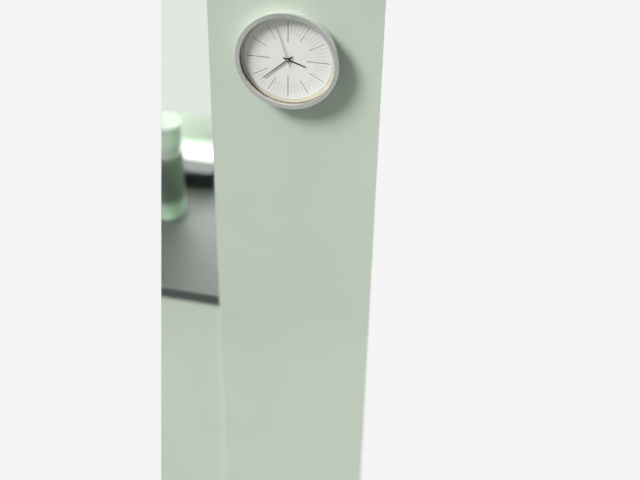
{"hour": 3, "minute": 38}
